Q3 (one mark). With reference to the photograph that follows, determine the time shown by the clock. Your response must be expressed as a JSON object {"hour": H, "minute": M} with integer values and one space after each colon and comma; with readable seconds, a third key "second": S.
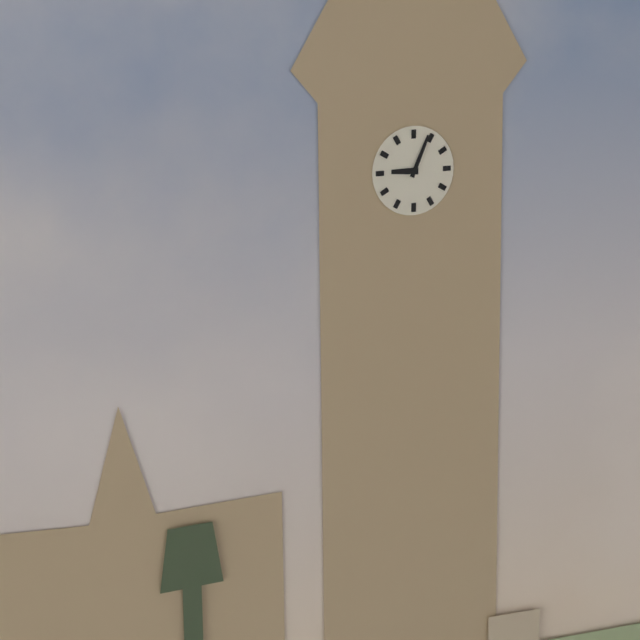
{"hour": 9, "minute": 4}
